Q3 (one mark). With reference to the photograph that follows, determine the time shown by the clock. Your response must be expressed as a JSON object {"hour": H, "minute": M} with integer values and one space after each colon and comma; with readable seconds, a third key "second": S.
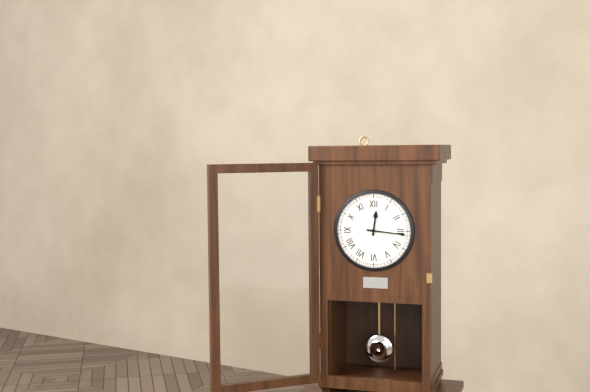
{"hour": 12, "minute": 16}
